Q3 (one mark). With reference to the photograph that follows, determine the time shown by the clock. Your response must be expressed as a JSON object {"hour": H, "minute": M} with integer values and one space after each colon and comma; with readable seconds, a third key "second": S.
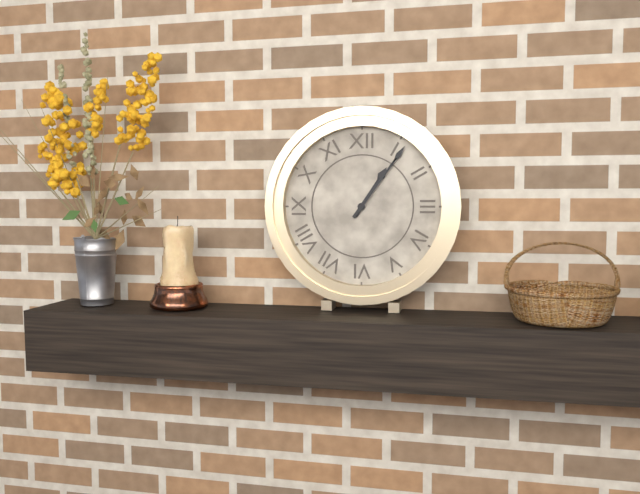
{"hour": 1, "minute": 6}
